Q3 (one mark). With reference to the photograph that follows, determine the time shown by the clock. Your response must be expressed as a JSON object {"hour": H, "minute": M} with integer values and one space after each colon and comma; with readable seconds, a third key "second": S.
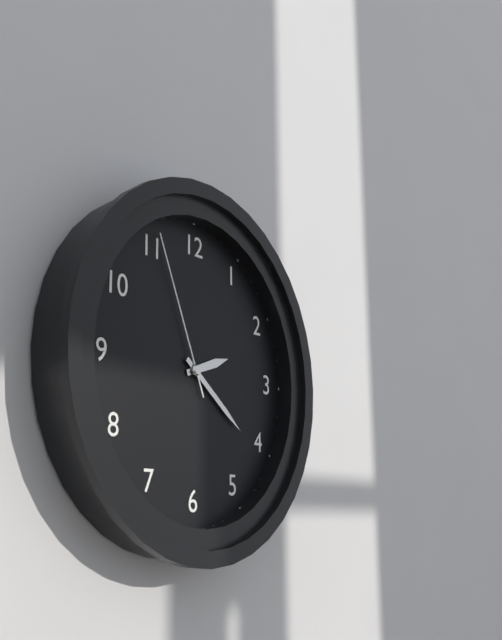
{"hour": 2, "minute": 21, "second": 56}
